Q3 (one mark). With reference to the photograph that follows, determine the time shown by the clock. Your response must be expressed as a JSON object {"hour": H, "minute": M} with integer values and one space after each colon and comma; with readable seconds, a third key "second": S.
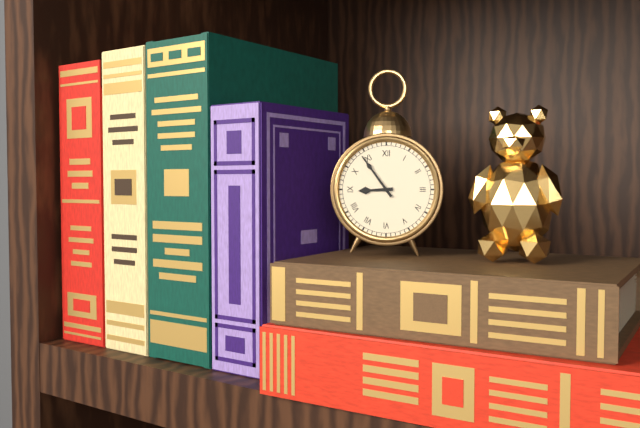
{"hour": 8, "minute": 54}
